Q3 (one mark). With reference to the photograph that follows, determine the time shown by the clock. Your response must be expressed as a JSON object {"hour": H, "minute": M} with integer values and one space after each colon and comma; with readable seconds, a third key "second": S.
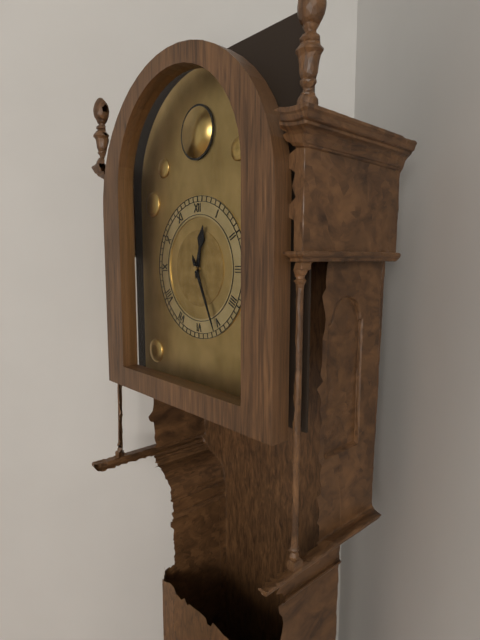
{"hour": 12, "minute": 26}
